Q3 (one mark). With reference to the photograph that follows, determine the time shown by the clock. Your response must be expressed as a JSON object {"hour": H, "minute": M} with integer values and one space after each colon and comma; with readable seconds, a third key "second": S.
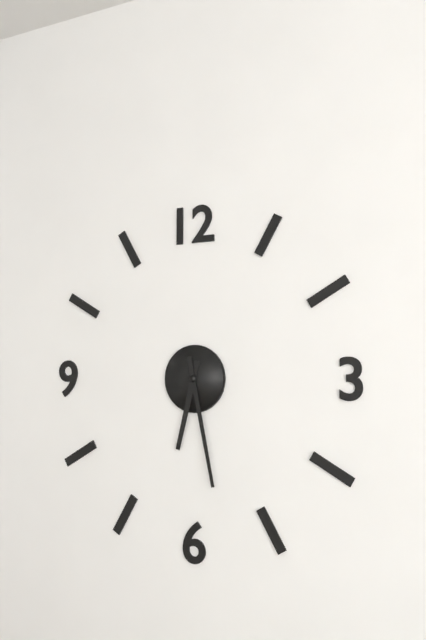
{"hour": 6, "minute": 28}
